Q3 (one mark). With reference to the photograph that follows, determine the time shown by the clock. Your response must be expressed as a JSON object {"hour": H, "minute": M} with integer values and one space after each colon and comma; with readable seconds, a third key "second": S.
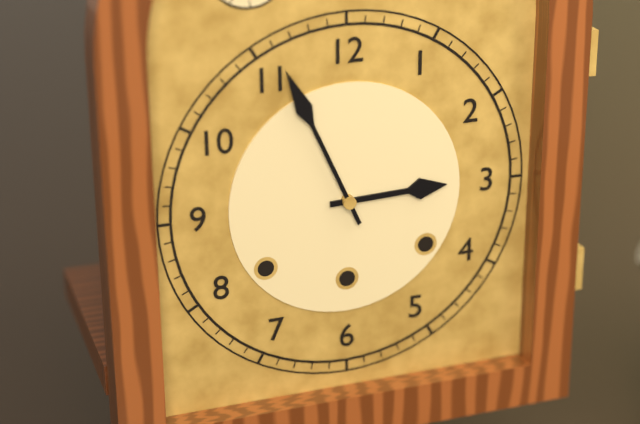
{"hour": 2, "minute": 56}
